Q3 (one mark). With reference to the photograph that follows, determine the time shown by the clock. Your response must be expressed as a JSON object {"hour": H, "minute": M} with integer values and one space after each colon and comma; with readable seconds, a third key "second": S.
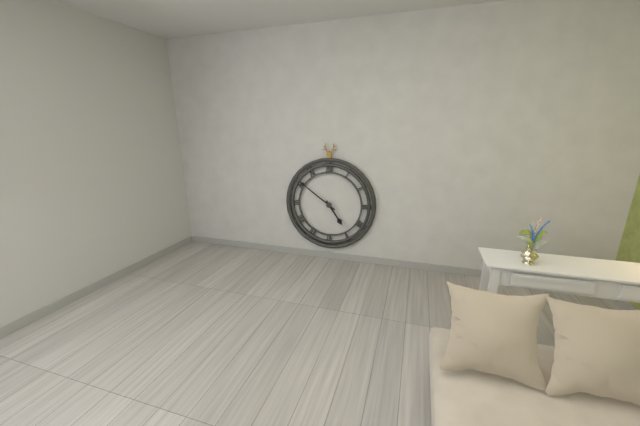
{"hour": 4, "minute": 51}
